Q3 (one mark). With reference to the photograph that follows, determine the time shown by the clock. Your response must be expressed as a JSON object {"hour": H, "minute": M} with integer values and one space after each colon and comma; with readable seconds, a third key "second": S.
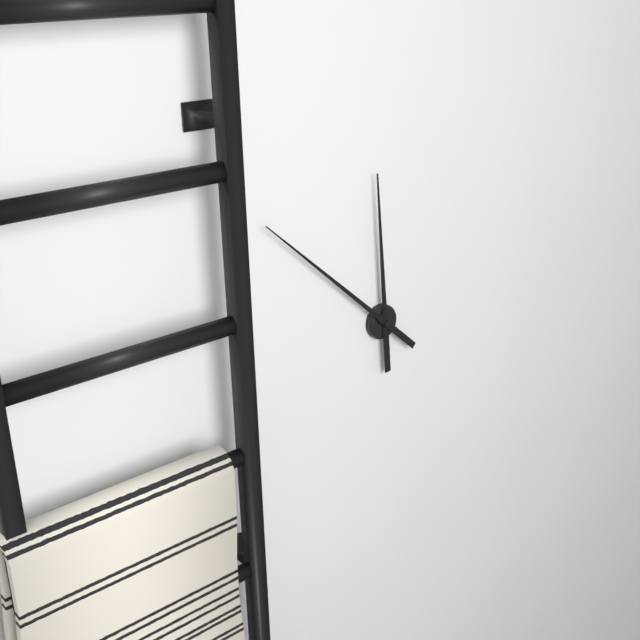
{"hour": 11, "minute": 52}
